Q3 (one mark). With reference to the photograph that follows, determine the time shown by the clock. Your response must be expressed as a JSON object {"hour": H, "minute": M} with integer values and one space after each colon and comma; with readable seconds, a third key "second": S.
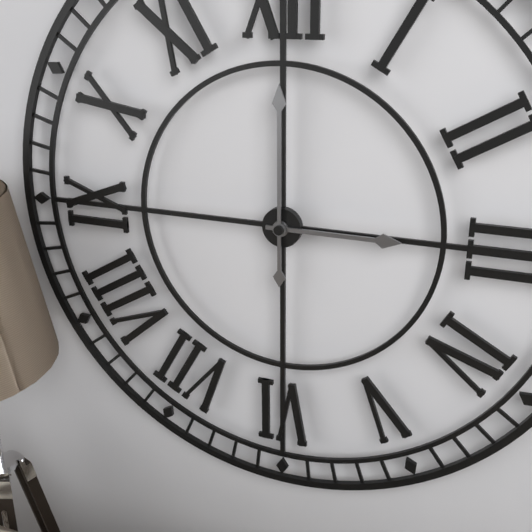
{"hour": 3, "minute": 0}
